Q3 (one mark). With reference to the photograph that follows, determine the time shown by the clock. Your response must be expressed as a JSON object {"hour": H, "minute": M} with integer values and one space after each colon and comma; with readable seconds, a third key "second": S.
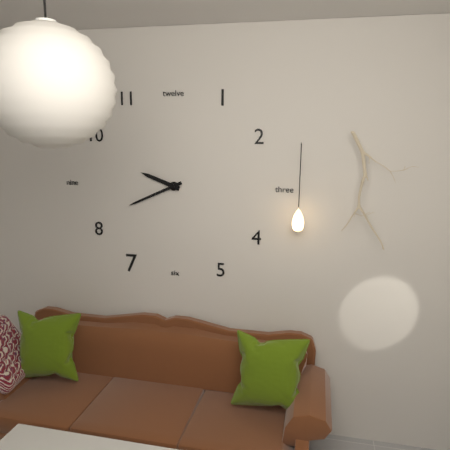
{"hour": 9, "minute": 41}
